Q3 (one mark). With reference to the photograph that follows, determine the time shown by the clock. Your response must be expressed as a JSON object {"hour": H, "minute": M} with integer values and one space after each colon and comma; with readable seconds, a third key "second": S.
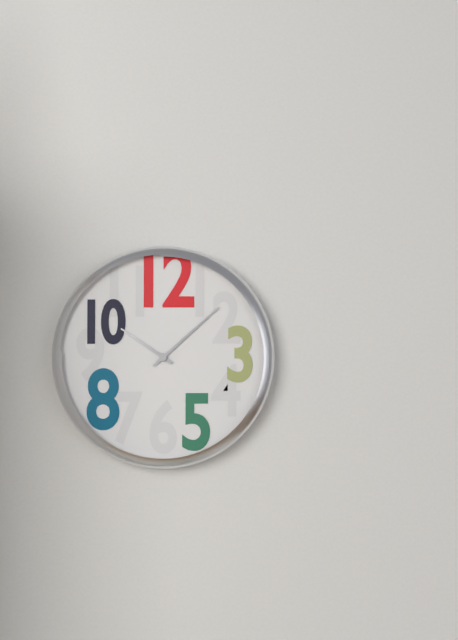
{"hour": 10, "minute": 8}
